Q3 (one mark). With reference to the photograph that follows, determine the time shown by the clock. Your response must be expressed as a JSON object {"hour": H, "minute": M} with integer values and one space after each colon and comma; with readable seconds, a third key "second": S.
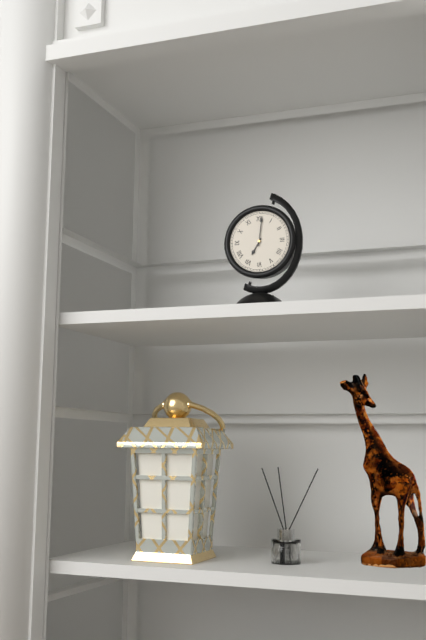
{"hour": 7, "minute": 1}
